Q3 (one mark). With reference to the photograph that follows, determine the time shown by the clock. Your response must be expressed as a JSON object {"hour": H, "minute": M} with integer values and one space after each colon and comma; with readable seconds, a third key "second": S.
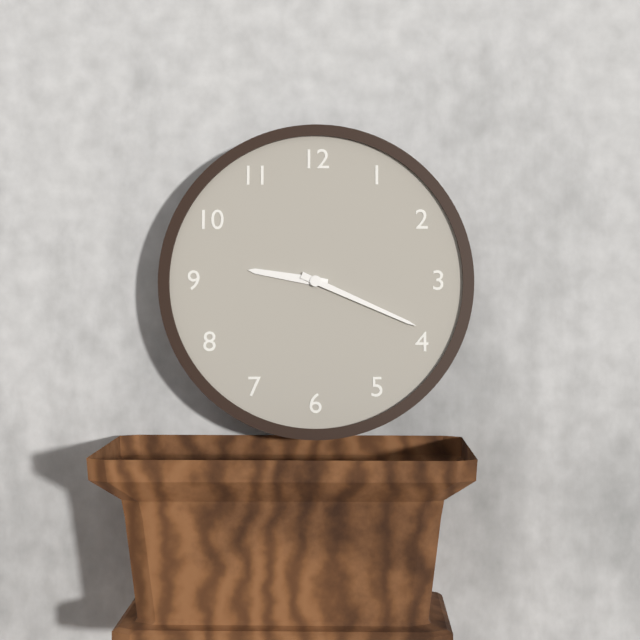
{"hour": 9, "minute": 19}
